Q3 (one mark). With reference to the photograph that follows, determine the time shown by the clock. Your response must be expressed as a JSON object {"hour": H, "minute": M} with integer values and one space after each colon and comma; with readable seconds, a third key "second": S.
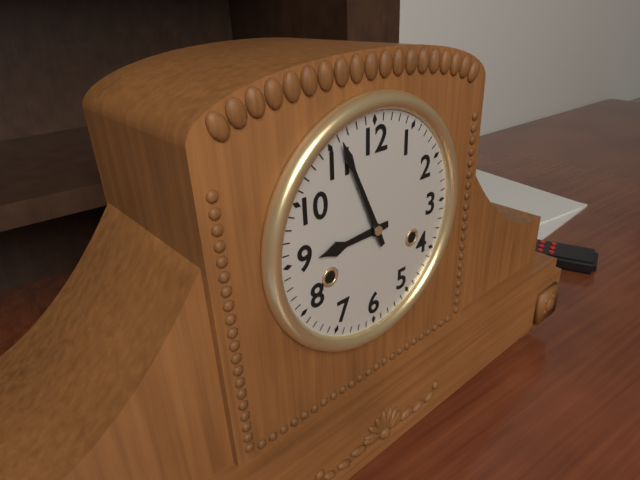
{"hour": 8, "minute": 56}
